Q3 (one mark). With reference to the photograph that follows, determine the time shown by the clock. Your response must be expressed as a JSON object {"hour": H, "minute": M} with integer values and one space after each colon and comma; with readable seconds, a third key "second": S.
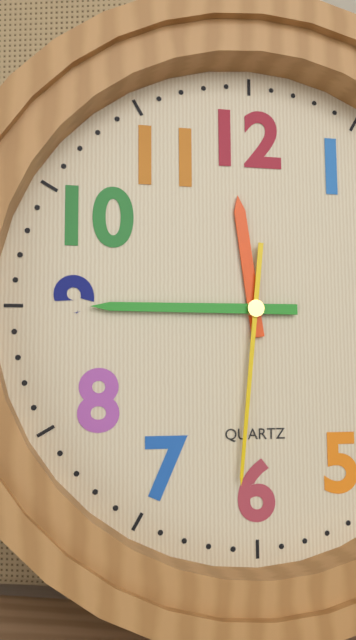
{"hour": 11, "minute": 45, "second": 31}
